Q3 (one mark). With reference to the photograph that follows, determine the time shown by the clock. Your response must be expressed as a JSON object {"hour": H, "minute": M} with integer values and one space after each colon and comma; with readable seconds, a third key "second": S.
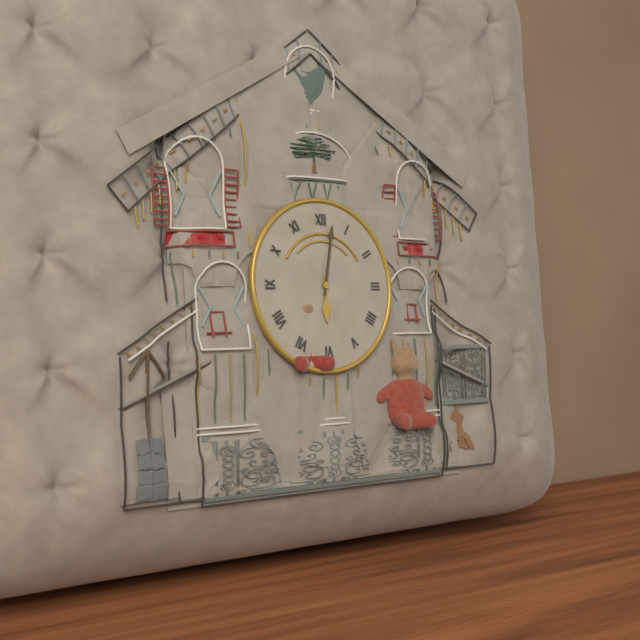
{"hour": 6, "minute": 2}
